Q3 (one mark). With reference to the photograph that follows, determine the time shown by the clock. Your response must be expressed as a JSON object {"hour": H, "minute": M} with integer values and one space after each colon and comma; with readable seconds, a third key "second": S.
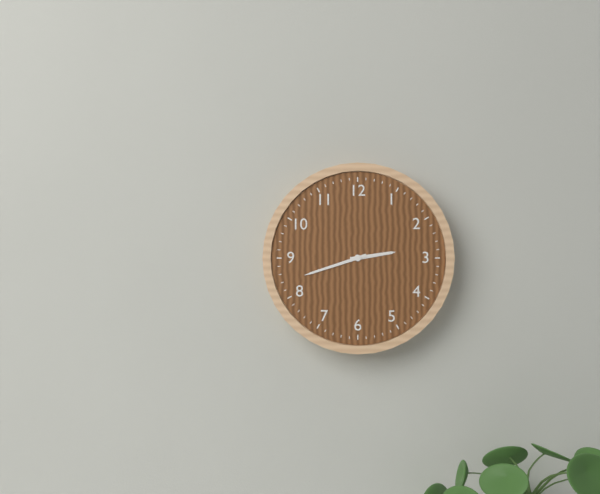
{"hour": 2, "minute": 42}
